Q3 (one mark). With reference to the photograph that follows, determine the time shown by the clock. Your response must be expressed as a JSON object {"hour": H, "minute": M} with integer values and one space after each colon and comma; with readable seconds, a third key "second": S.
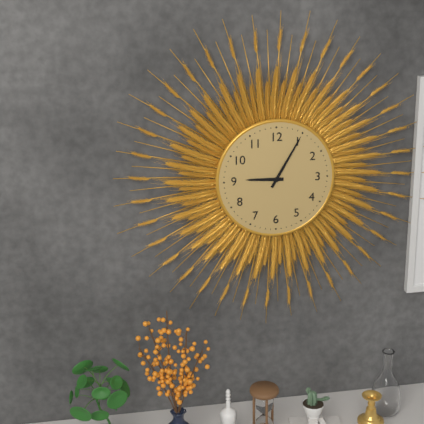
{"hour": 9, "minute": 5}
